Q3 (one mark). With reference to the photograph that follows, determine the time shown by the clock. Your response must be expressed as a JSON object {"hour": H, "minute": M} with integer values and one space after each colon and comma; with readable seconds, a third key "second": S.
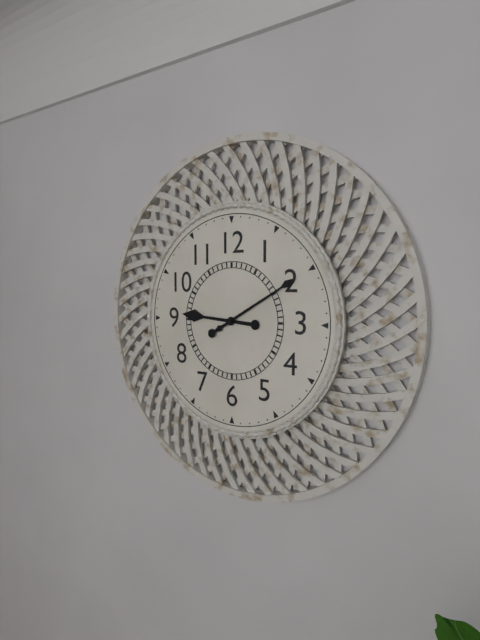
{"hour": 9, "minute": 10}
